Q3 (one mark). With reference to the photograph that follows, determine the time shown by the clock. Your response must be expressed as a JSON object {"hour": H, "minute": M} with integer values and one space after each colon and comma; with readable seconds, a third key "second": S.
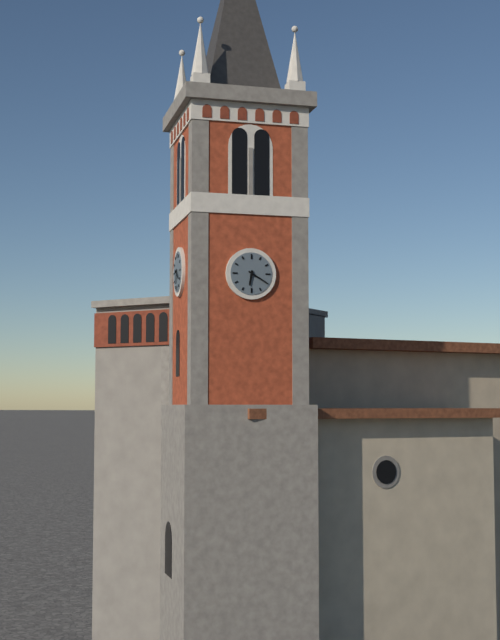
{"hour": 6, "minute": 20}
